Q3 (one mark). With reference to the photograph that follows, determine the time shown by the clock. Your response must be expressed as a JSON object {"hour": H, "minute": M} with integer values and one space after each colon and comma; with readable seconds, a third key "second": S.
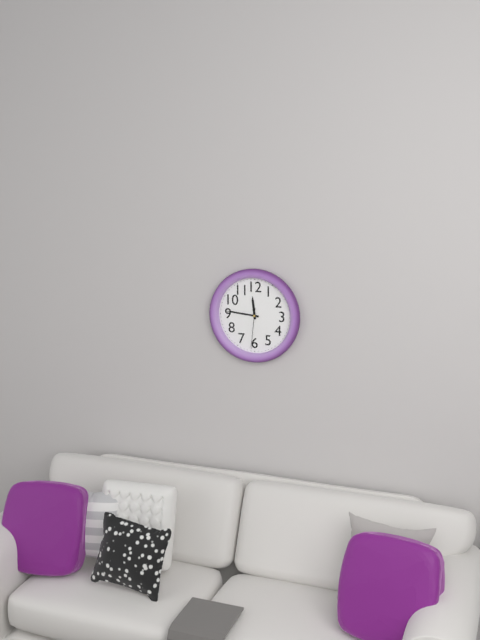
{"hour": 11, "minute": 46}
